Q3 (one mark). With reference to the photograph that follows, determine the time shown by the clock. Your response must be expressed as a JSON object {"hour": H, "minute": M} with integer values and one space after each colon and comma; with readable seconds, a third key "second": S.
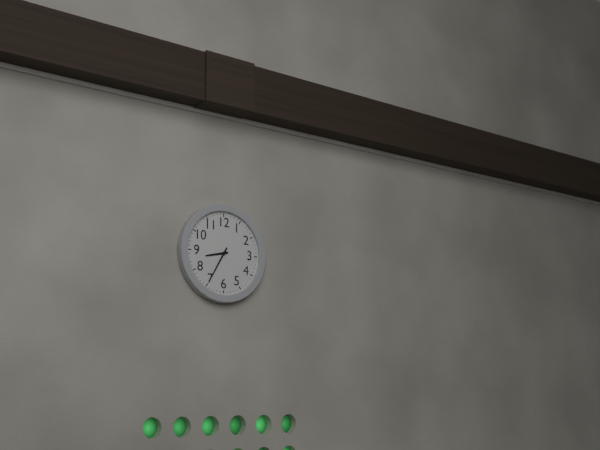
{"hour": 8, "minute": 35}
